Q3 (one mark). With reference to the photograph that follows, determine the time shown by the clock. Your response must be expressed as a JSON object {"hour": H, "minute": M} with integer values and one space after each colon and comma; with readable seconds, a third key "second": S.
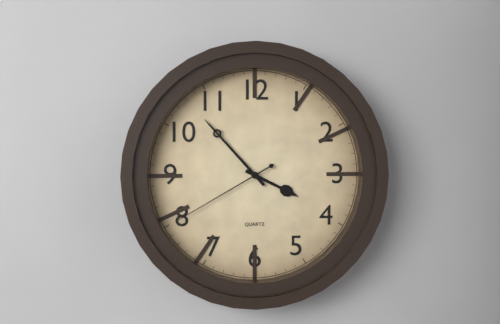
{"hour": 3, "minute": 53, "second": 40}
